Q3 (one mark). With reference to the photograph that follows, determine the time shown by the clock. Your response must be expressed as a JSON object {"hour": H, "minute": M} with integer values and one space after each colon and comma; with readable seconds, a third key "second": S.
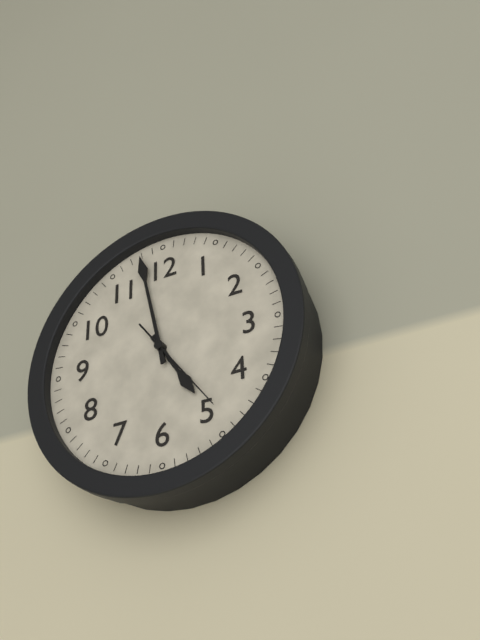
{"hour": 4, "minute": 58, "second": 24}
